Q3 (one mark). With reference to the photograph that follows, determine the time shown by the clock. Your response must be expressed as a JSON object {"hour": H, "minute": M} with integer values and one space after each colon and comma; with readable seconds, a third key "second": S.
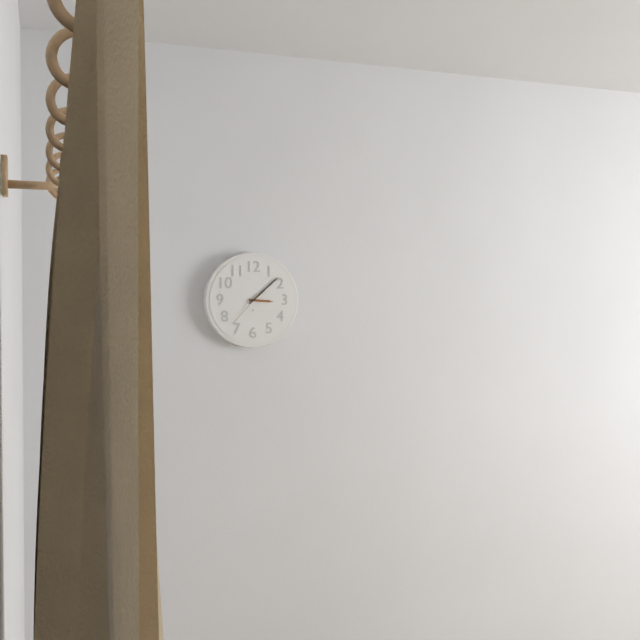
{"hour": 3, "minute": 8}
